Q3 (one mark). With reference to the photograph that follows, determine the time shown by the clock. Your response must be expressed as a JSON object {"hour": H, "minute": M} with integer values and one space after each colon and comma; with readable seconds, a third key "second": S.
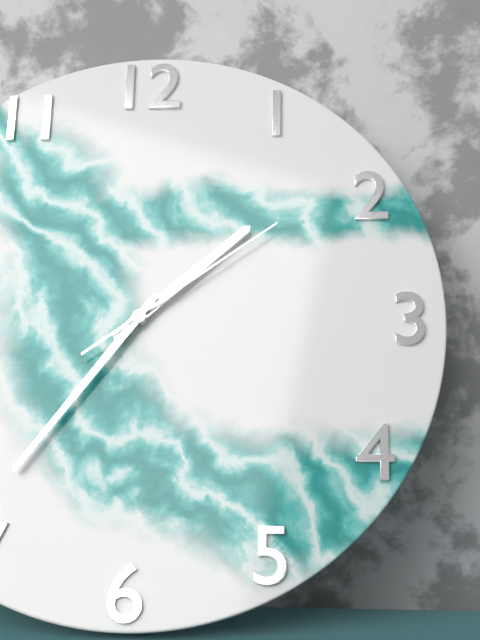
{"hour": 1, "minute": 36, "second": 9}
